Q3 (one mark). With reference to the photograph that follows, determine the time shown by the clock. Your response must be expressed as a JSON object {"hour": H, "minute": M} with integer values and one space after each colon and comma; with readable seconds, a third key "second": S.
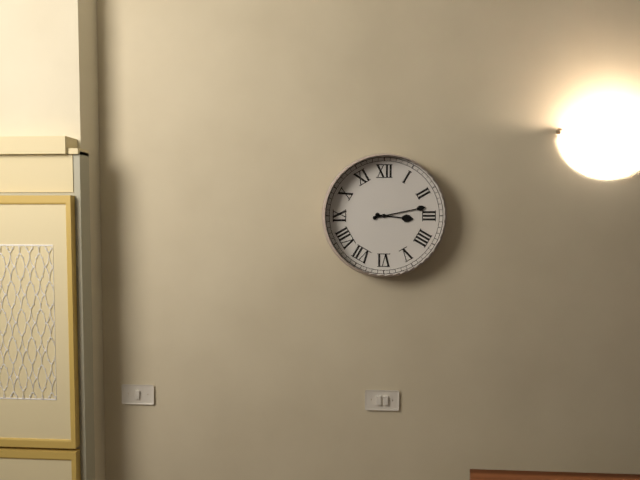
{"hour": 3, "minute": 13}
